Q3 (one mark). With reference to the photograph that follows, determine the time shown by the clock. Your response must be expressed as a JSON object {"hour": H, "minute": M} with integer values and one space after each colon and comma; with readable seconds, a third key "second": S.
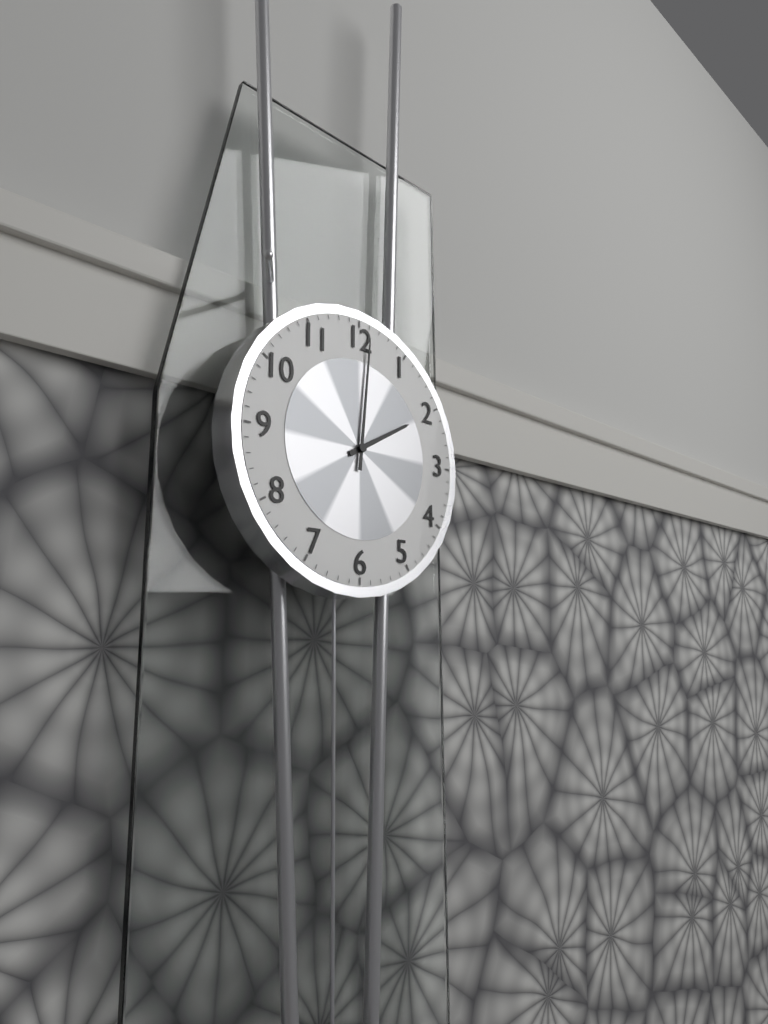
{"hour": 2, "minute": 1}
